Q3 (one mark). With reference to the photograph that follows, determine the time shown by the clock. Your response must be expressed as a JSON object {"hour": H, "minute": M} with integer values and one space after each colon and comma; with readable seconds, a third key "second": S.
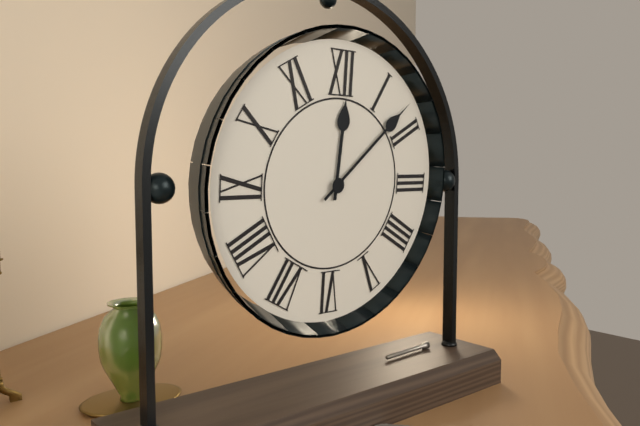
{"hour": 12, "minute": 8}
